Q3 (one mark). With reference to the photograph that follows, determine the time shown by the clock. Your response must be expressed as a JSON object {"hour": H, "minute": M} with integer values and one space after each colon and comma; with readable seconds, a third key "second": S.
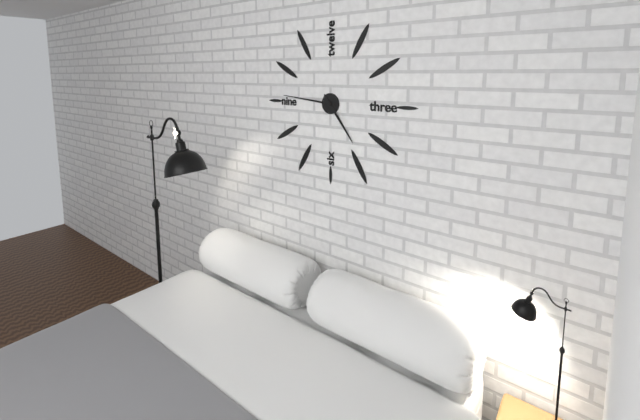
{"hour": 4, "minute": 46}
